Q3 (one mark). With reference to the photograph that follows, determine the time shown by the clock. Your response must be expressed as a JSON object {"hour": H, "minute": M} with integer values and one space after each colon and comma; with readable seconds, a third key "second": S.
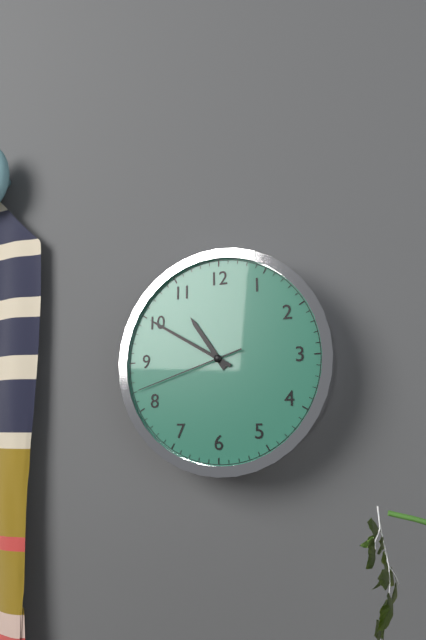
{"hour": 10, "minute": 50, "second": 42}
